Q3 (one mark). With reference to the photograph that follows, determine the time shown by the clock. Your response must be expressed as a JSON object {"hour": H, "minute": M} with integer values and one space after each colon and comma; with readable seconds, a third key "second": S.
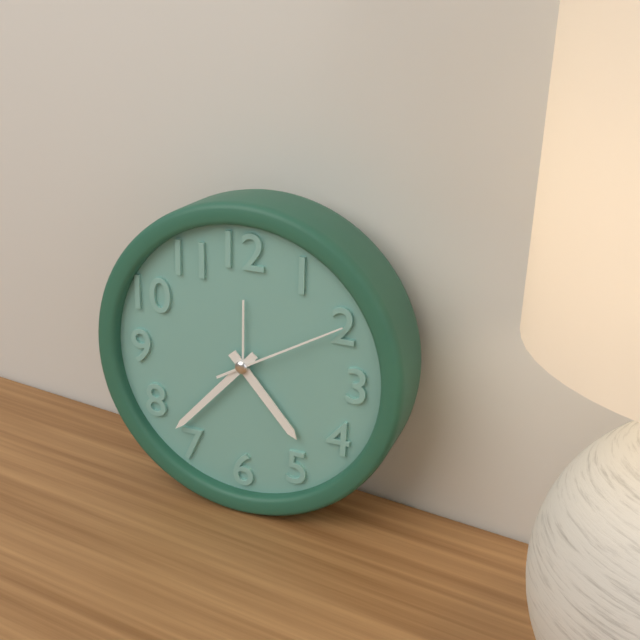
{"hour": 4, "minute": 37, "second": 10}
